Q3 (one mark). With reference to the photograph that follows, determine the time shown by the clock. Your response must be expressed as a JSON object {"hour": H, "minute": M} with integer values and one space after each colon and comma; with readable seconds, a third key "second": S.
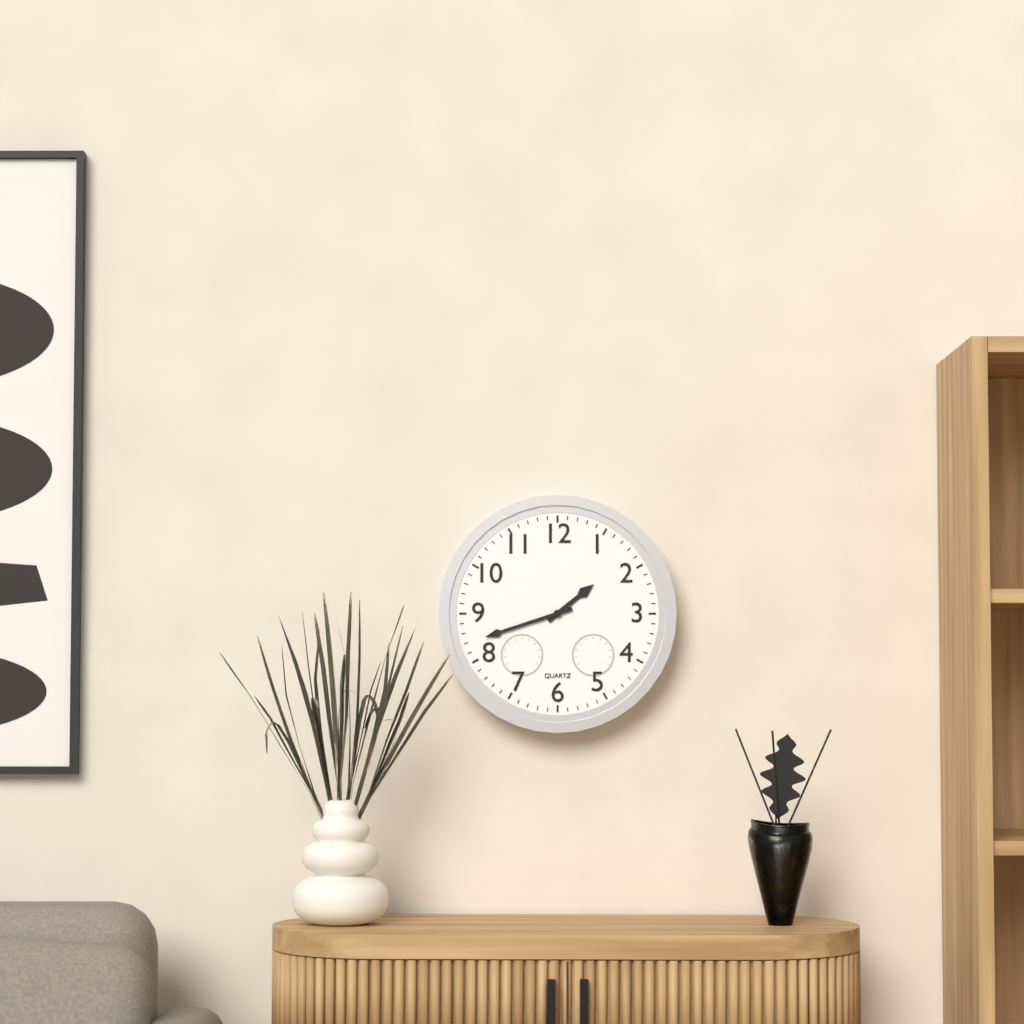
{"hour": 1, "minute": 42}
